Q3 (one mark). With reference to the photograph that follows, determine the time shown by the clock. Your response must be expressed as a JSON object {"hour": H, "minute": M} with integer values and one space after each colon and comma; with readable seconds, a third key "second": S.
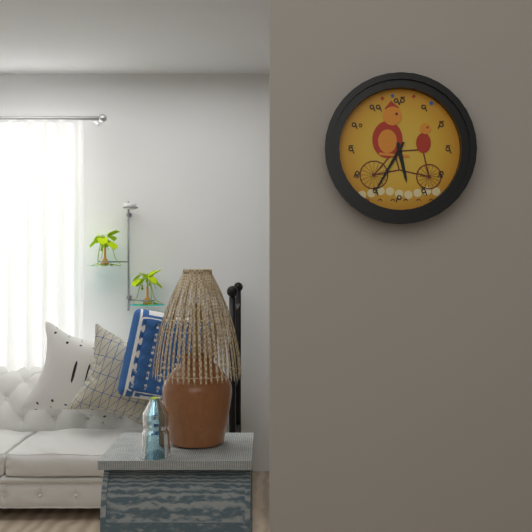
{"hour": 5, "minute": 35}
